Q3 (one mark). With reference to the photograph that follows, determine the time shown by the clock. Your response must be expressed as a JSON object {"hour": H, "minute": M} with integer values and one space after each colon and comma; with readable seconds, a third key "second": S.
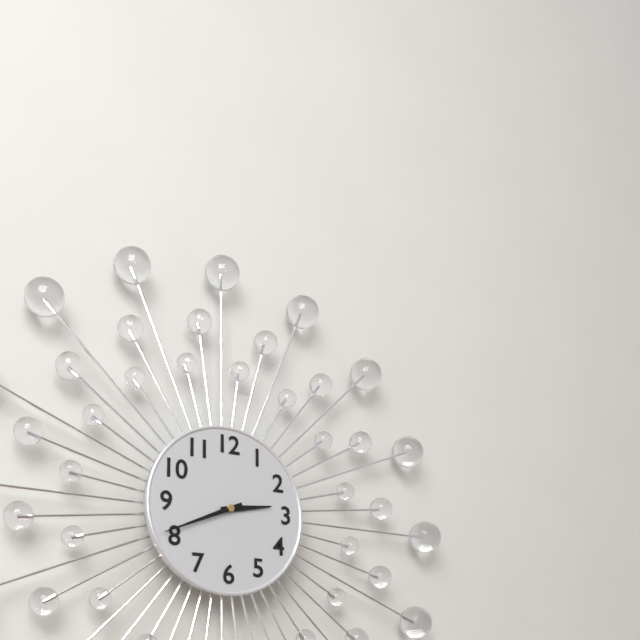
{"hour": 2, "minute": 41}
